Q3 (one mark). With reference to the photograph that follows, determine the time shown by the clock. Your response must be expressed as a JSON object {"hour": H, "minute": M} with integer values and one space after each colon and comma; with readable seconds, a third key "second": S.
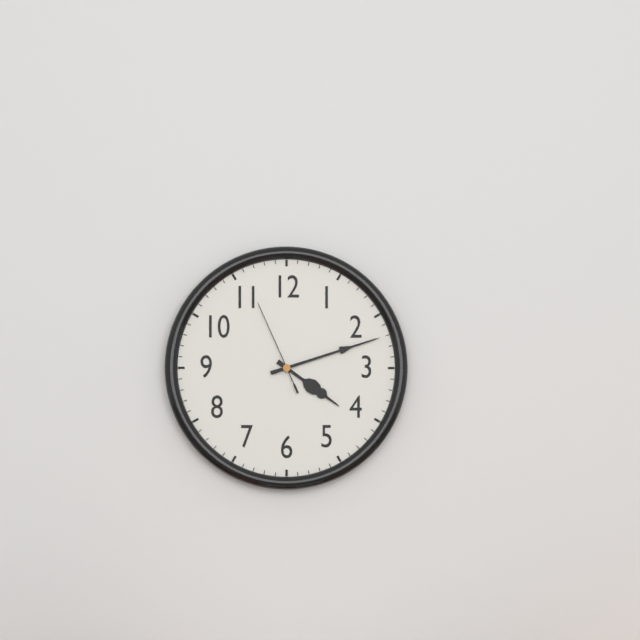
{"hour": 4, "minute": 12, "second": 56}
